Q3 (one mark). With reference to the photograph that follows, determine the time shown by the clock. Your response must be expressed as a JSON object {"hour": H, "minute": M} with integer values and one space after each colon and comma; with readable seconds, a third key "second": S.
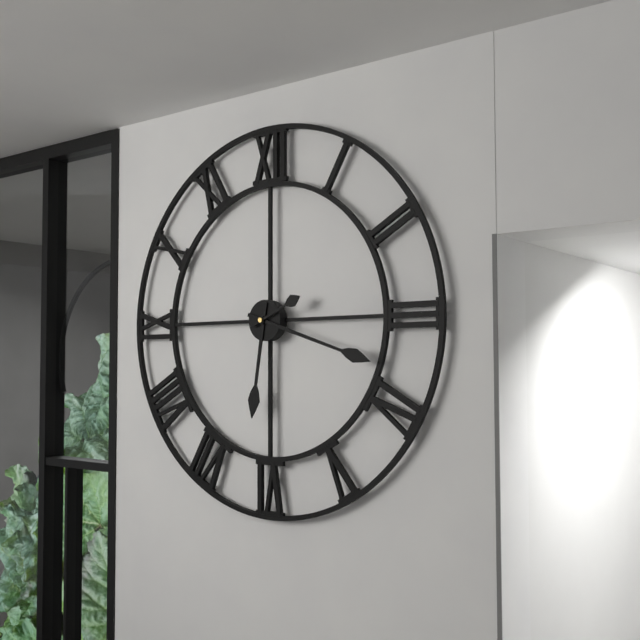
{"hour": 6, "minute": 18, "second": 11}
